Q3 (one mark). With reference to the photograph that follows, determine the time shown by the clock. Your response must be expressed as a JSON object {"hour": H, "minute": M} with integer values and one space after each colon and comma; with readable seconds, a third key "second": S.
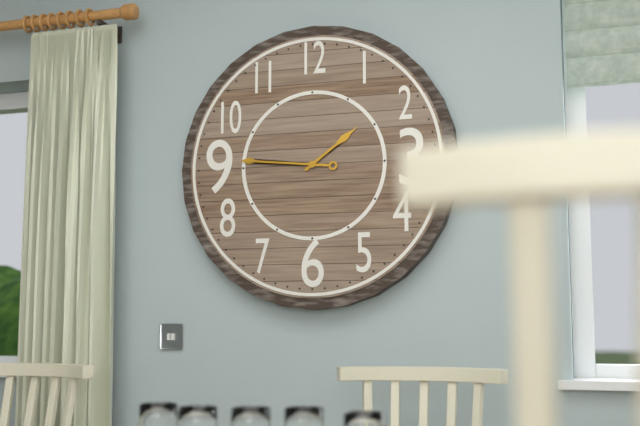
{"hour": 1, "minute": 46}
